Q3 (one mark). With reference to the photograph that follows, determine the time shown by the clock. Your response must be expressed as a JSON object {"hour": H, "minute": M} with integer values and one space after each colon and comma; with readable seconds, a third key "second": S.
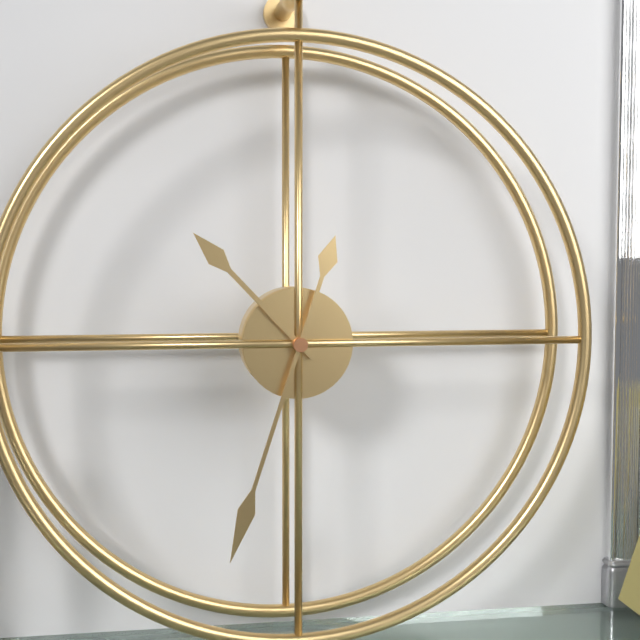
{"hour": 10, "minute": 33}
